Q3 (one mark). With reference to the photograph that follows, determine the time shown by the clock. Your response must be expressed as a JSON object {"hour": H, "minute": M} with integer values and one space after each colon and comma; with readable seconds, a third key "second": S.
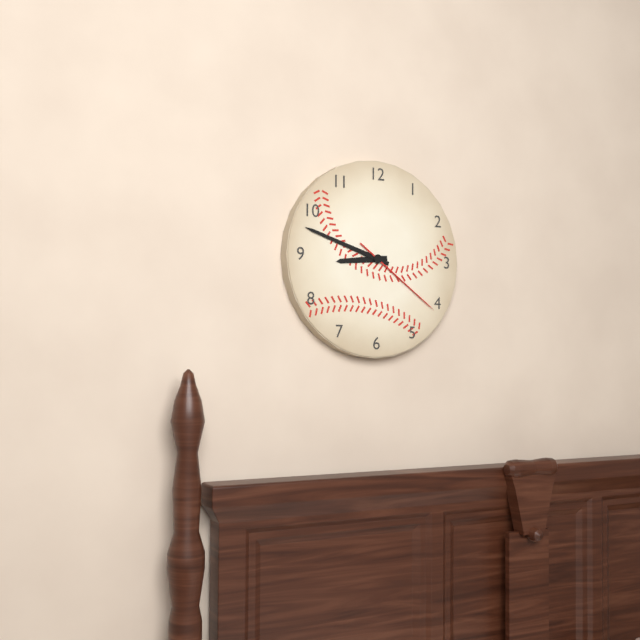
{"hour": 8, "minute": 48, "second": 21}
